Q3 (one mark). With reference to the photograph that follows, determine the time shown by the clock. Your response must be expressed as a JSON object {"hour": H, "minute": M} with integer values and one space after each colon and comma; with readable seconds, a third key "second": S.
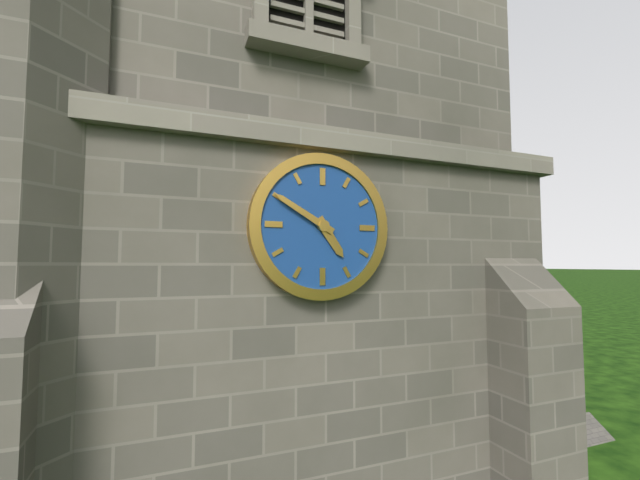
{"hour": 4, "minute": 50}
